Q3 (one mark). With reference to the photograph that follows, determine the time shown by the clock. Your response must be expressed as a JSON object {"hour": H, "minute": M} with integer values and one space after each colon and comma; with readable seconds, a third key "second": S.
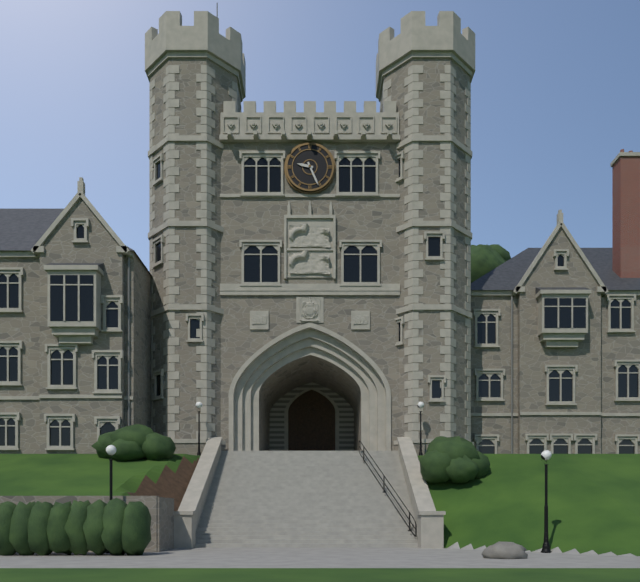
{"hour": 9, "minute": 26}
